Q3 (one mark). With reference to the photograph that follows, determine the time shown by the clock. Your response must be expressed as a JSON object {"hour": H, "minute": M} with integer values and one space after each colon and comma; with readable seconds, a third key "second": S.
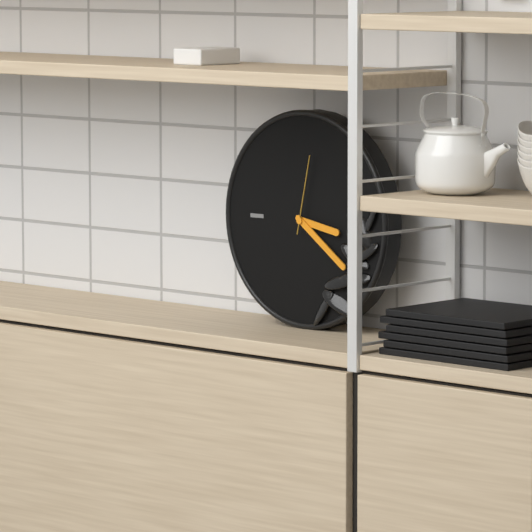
{"hour": 3, "minute": 21, "second": 2}
